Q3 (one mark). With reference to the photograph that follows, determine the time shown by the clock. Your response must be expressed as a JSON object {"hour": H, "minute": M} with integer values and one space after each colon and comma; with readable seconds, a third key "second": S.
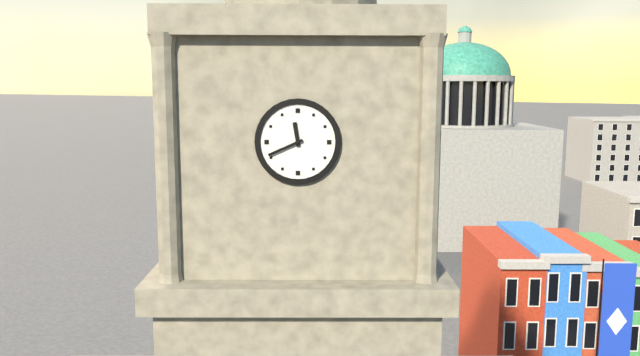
{"hour": 11, "minute": 41}
